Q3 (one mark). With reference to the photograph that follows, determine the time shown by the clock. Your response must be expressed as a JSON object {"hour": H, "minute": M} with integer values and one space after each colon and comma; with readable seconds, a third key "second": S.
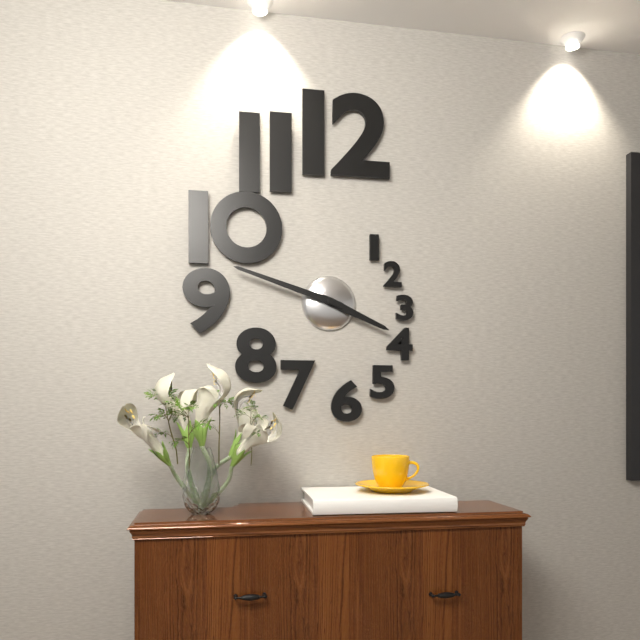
{"hour": 3, "minute": 48}
